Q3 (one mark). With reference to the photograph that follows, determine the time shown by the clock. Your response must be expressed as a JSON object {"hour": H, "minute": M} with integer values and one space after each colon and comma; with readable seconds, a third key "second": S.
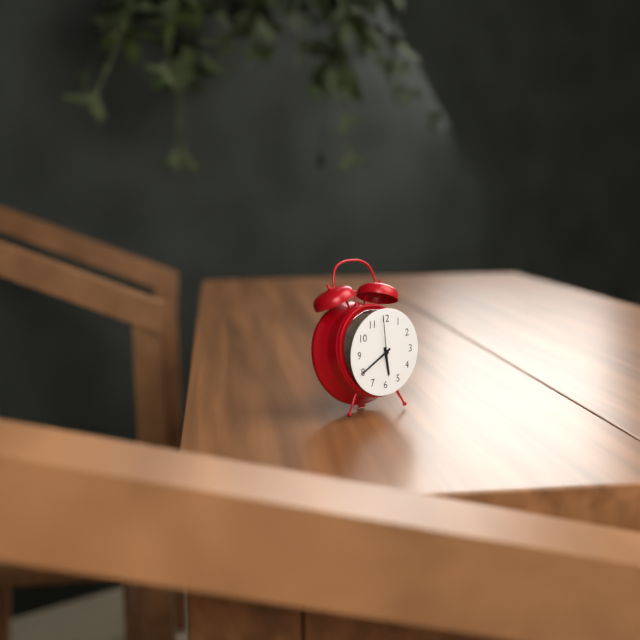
{"hour": 5, "minute": 40}
